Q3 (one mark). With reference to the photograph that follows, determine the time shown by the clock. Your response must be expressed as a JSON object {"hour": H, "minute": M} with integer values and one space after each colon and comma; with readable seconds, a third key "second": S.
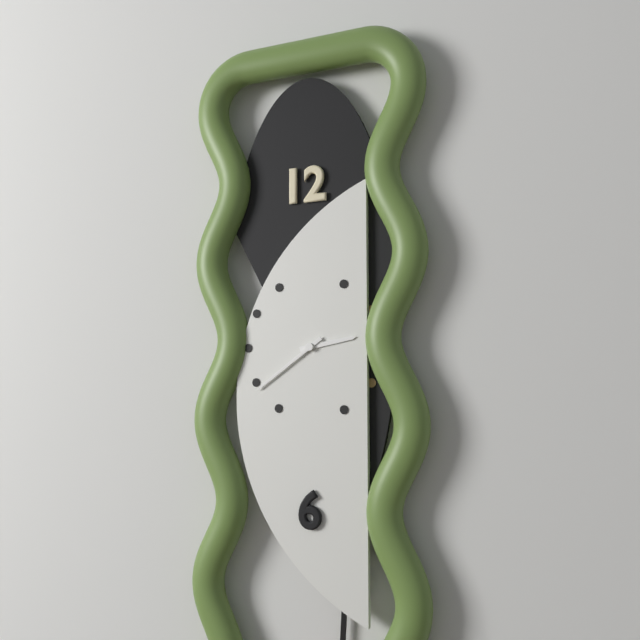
{"hour": 2, "minute": 39}
